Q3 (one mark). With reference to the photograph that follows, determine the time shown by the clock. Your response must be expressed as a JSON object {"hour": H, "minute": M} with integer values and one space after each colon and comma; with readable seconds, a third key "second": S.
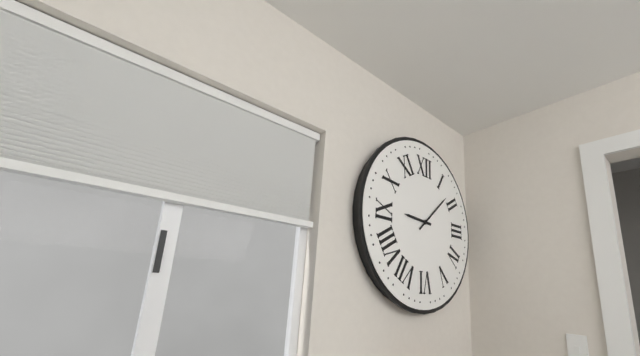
{"hour": 9, "minute": 8}
